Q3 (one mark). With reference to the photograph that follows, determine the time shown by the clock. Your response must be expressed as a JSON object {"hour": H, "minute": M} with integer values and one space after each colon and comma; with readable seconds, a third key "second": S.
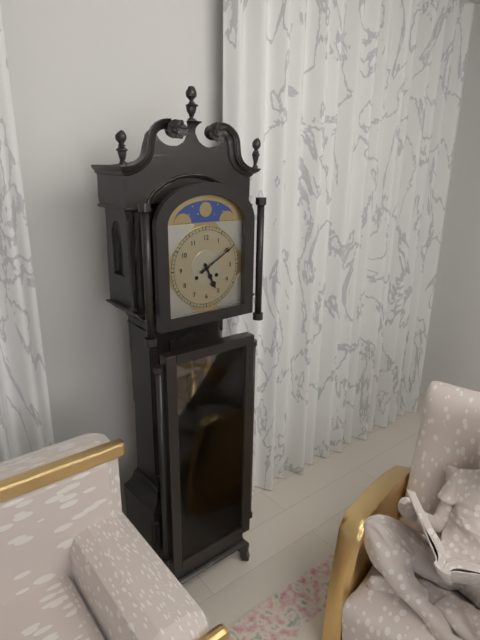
{"hour": 5, "minute": 10}
